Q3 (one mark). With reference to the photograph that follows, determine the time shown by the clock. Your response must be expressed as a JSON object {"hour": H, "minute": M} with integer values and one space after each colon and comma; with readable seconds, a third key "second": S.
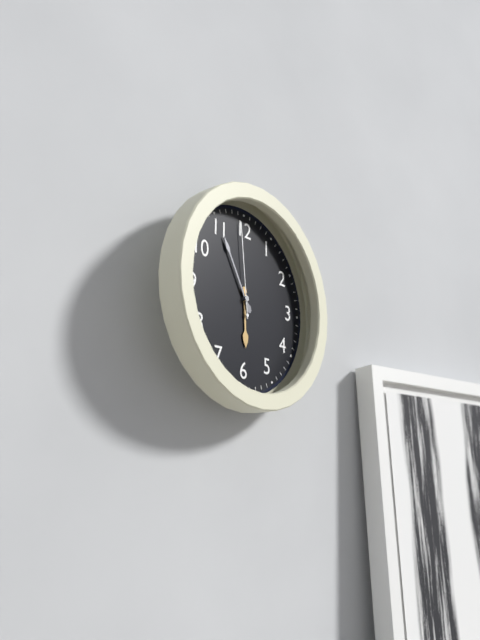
{"hour": 5, "minute": 55, "second": 59}
